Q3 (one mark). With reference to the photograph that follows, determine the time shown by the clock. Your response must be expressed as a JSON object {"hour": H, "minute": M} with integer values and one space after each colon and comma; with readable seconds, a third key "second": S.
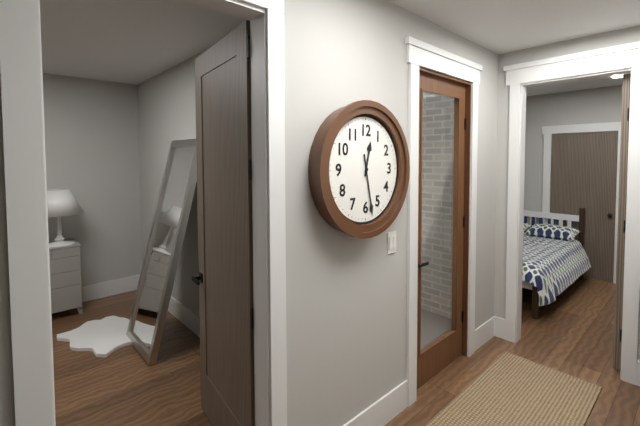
{"hour": 12, "minute": 28}
